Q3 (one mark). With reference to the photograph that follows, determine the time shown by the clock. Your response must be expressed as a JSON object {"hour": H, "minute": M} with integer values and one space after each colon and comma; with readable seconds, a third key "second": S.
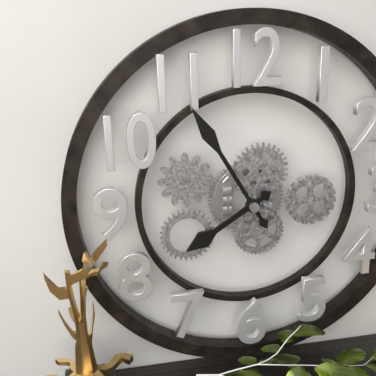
{"hour": 7, "minute": 55}
